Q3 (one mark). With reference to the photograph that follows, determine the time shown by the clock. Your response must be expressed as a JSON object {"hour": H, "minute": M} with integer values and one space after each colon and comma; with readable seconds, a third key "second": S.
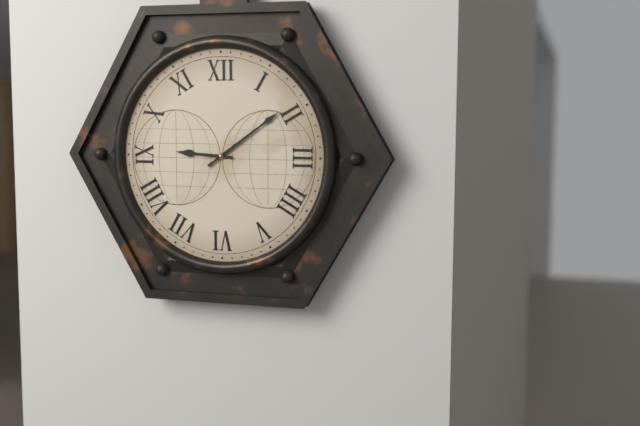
{"hour": 9, "minute": 9}
